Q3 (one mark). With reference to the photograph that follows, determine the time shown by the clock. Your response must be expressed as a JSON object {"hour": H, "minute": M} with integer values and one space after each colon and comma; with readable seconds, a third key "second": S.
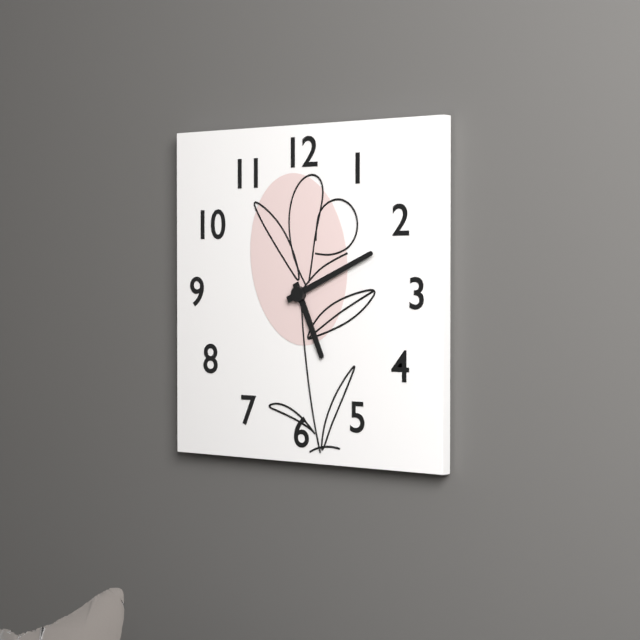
{"hour": 5, "minute": 11}
